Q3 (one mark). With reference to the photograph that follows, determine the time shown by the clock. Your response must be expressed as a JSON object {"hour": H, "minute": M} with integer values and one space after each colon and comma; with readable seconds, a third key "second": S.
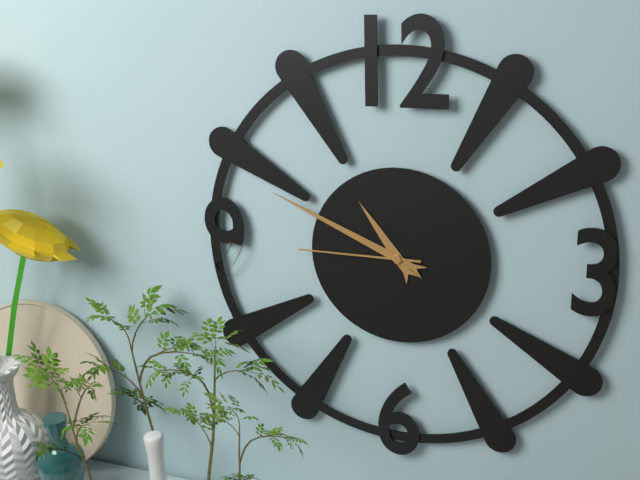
{"hour": 10, "minute": 49, "second": 45}
